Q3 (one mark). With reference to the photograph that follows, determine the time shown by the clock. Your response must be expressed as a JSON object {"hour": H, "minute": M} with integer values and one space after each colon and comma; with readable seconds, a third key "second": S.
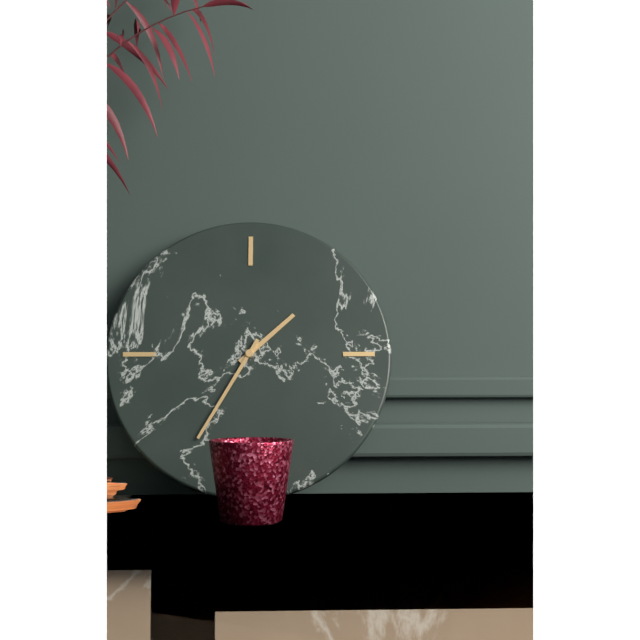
{"hour": 1, "minute": 35}
